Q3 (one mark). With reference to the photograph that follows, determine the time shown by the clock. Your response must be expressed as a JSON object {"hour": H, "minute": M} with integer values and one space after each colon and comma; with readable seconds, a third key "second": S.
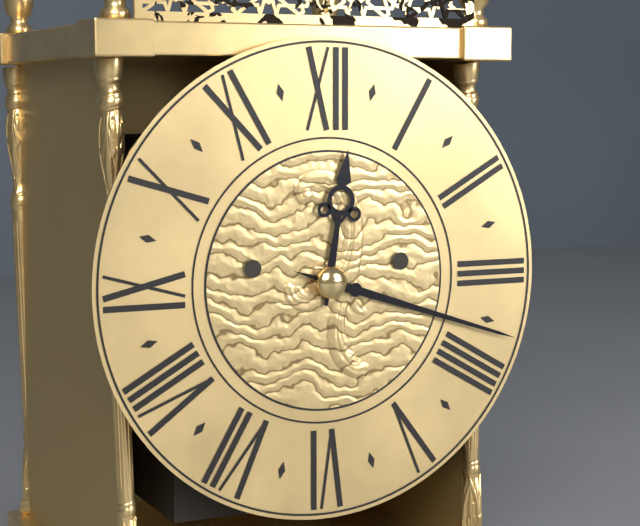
{"hour": 12, "minute": 18}
